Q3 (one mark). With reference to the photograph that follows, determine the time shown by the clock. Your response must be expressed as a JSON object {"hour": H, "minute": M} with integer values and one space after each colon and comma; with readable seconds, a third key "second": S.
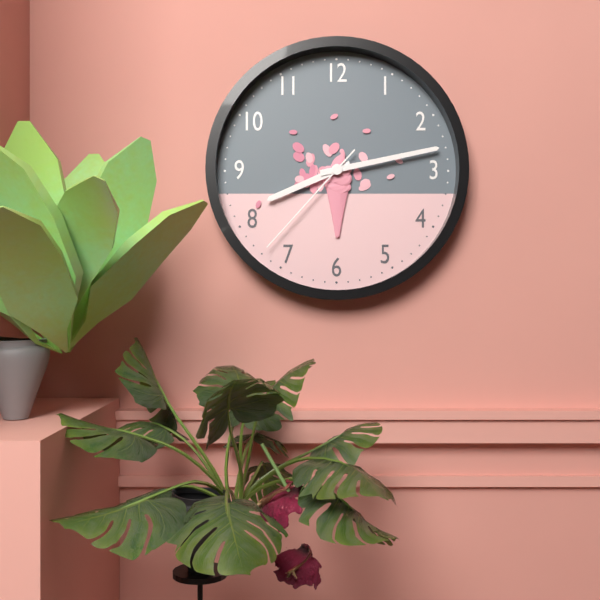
{"hour": 8, "minute": 13, "second": 37}
